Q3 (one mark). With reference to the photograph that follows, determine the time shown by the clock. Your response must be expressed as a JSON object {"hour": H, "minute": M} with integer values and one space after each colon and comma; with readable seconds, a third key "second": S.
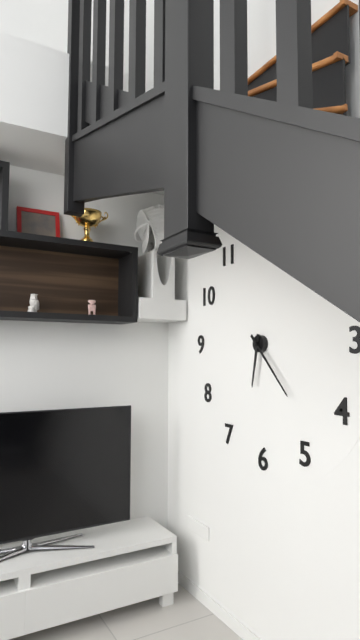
{"hour": 6, "minute": 23}
